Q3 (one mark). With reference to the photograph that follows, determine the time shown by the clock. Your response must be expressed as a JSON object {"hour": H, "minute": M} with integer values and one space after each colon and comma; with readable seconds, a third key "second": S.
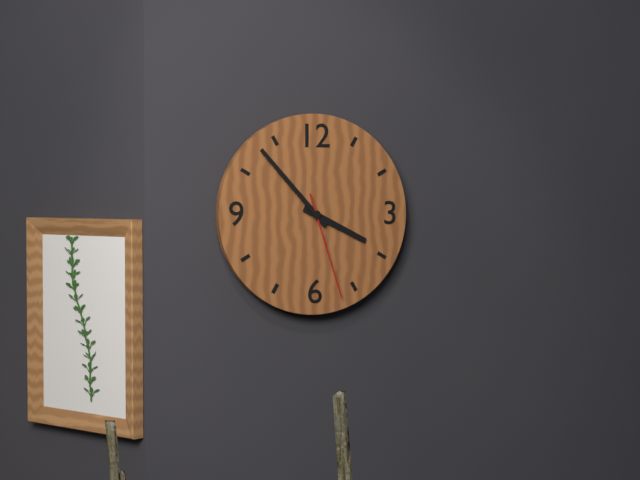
{"hour": 3, "minute": 53, "second": 27}
